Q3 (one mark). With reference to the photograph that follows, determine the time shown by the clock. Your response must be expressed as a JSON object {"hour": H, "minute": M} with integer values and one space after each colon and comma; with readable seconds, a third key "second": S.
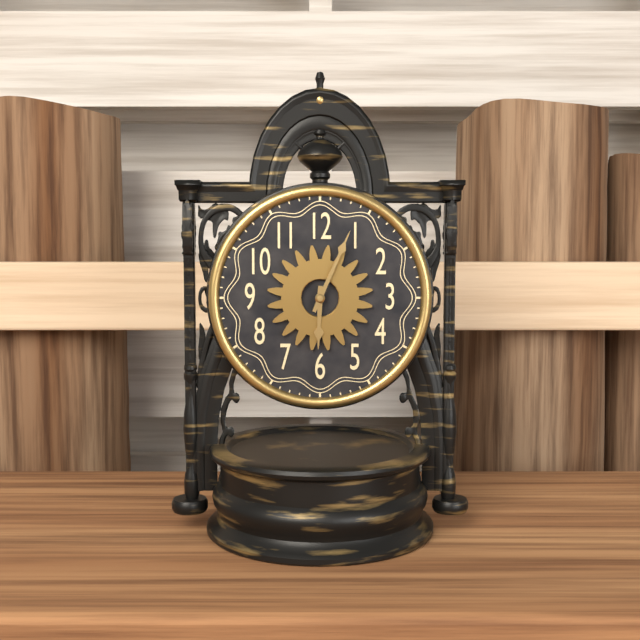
{"hour": 6, "minute": 4}
